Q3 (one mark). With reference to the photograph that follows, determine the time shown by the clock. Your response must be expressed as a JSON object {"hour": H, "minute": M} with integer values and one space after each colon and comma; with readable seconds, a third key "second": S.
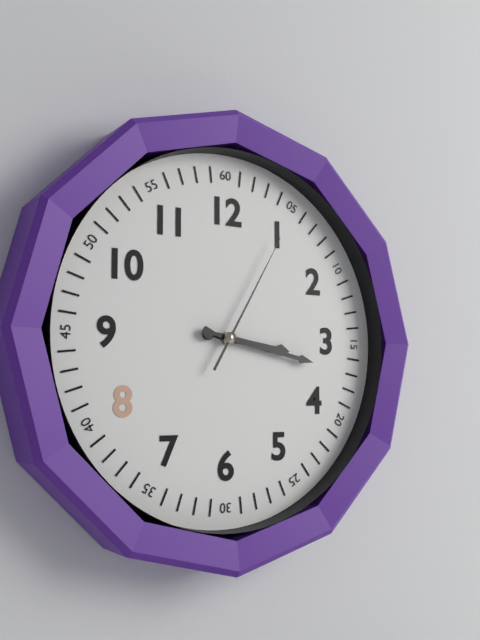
{"hour": 3, "minute": 17, "second": 5}
